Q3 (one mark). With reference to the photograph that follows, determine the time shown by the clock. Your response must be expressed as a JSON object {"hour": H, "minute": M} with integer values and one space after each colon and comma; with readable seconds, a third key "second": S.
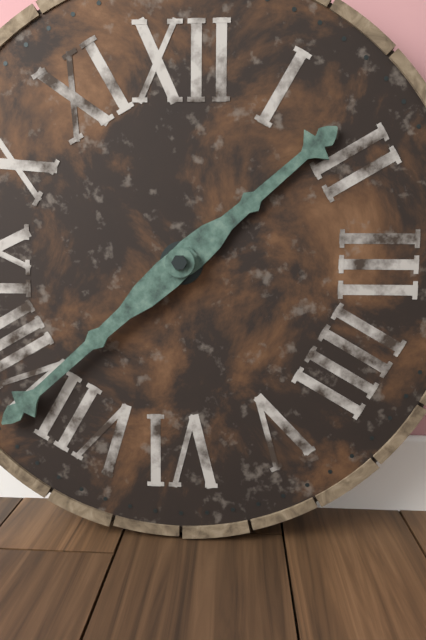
{"hour": 1, "minute": 38}
